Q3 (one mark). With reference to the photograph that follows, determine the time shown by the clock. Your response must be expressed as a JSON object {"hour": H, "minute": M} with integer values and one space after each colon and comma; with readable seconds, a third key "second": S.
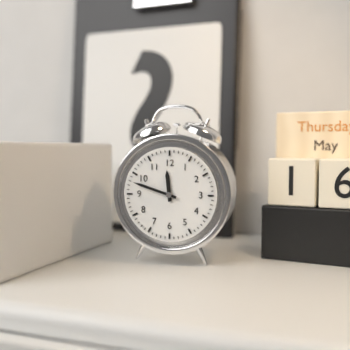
{"hour": 11, "minute": 48}
